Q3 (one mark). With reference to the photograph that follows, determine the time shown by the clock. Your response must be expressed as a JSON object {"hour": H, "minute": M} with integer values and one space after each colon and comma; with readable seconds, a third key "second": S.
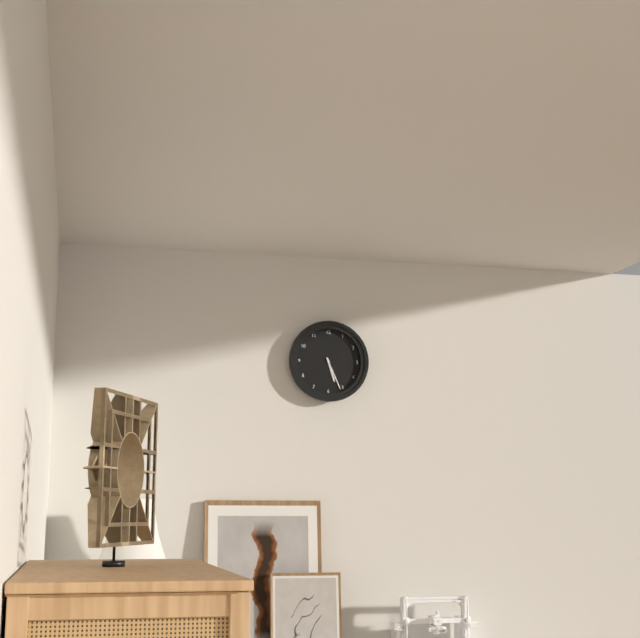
{"hour": 5, "minute": 26}
